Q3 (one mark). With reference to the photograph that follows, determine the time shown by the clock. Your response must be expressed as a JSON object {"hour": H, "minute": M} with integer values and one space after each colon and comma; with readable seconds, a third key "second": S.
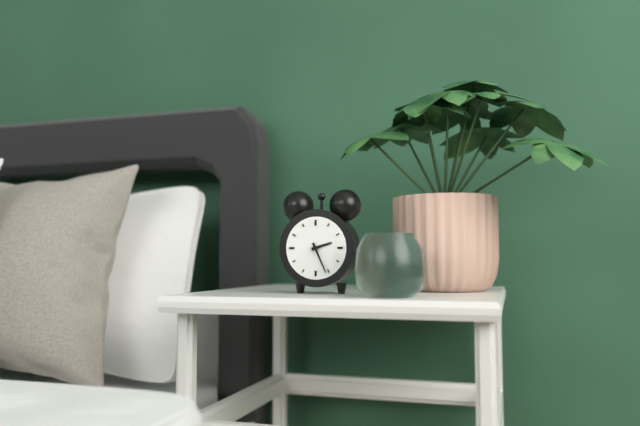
{"hour": 2, "minute": 26}
